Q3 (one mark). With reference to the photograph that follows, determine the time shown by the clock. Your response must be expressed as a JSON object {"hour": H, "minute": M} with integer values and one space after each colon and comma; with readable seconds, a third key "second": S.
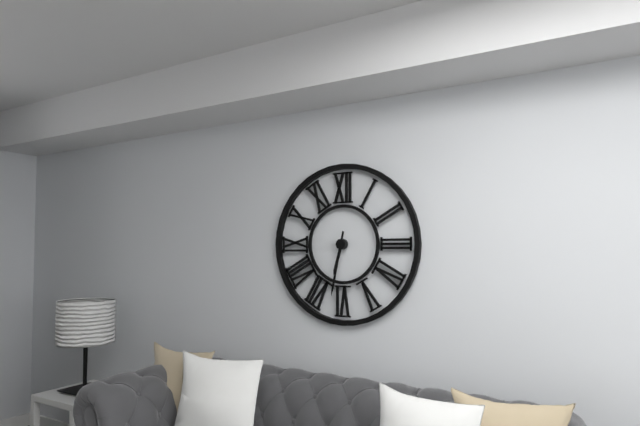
{"hour": 6, "minute": 32}
